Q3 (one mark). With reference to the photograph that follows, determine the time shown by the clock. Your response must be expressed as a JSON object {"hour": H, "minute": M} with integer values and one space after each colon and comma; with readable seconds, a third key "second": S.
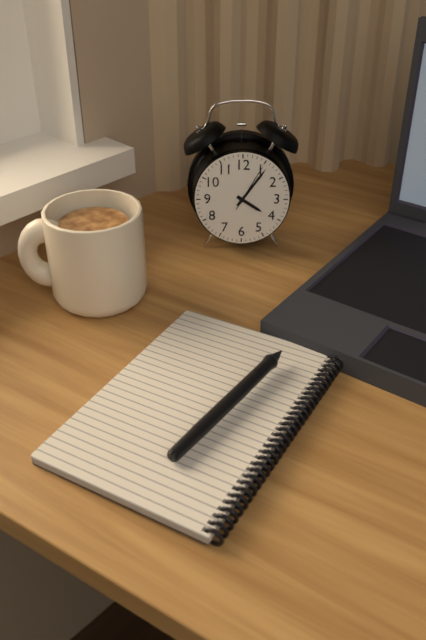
{"hour": 4, "minute": 6, "second": 5}
